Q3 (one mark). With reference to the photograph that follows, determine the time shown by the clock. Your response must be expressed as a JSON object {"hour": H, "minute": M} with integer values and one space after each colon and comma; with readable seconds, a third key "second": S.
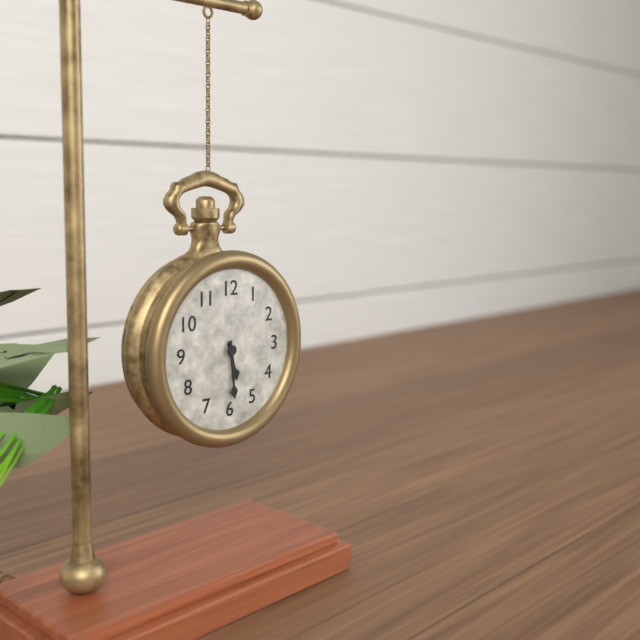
{"hour": 5, "minute": 29}
